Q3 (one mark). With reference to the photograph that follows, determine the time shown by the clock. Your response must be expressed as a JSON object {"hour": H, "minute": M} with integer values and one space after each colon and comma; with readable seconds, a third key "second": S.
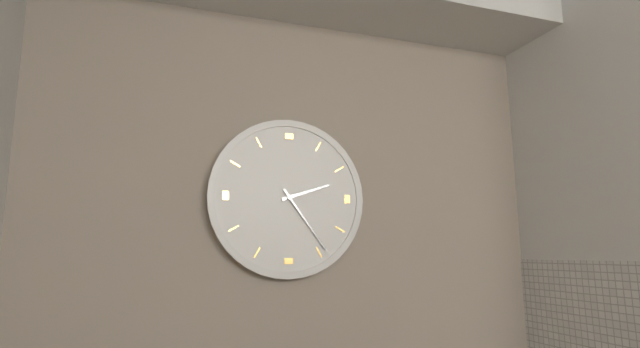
{"hour": 2, "minute": 24}
